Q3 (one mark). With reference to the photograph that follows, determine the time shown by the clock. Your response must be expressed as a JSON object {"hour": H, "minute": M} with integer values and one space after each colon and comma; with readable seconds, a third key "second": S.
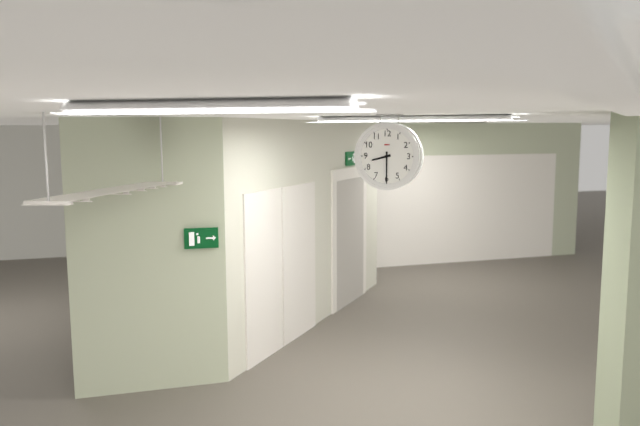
{"hour": 8, "minute": 30}
